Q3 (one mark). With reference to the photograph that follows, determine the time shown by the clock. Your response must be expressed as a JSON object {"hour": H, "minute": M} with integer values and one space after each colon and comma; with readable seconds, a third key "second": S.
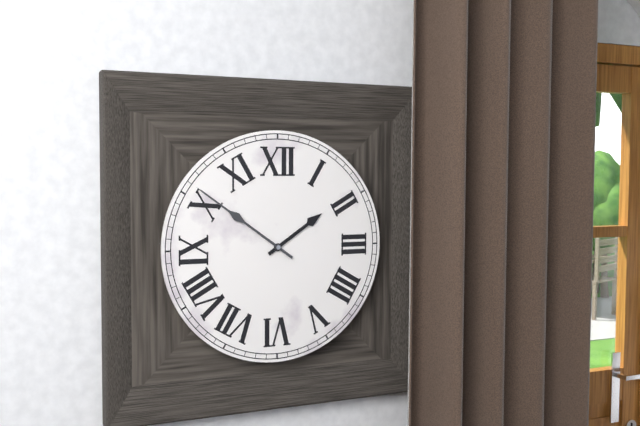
{"hour": 1, "minute": 51}
